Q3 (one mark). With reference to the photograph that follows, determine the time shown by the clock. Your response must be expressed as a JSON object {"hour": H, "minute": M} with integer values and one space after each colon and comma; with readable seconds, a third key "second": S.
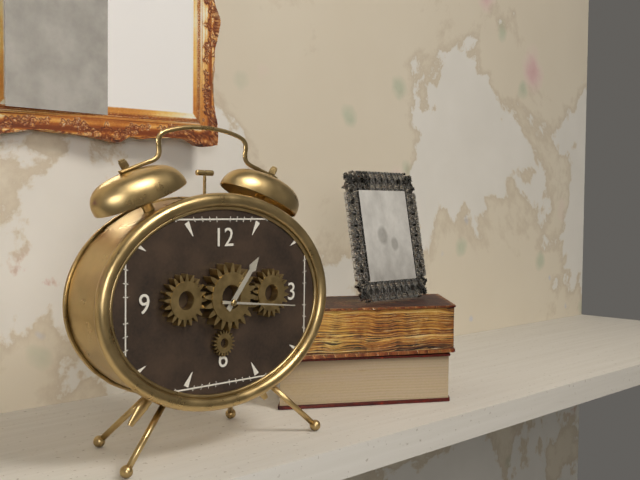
{"hour": 1, "minute": 16}
